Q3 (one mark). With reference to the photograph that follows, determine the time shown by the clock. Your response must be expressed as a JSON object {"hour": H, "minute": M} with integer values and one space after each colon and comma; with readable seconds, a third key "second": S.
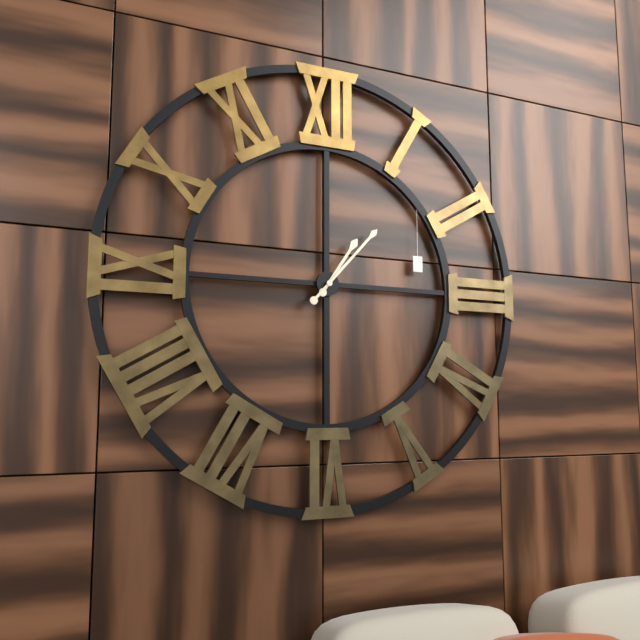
{"hour": 1, "minute": 7}
